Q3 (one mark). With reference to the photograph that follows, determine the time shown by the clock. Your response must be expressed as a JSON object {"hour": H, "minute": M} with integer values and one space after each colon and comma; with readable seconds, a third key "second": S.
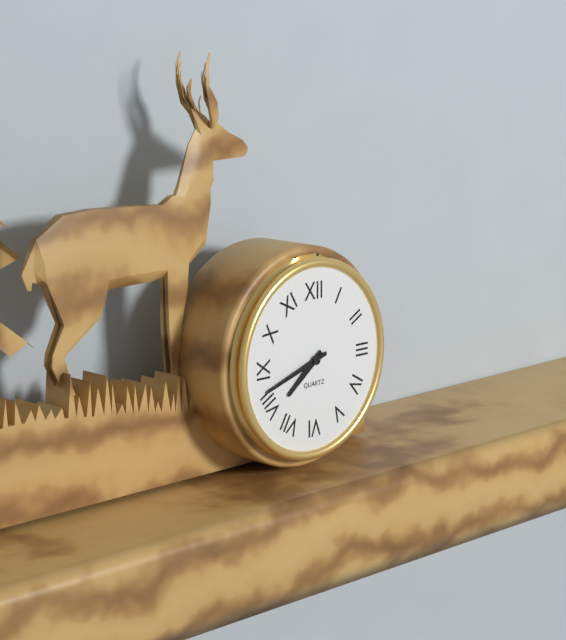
{"hour": 7, "minute": 42}
